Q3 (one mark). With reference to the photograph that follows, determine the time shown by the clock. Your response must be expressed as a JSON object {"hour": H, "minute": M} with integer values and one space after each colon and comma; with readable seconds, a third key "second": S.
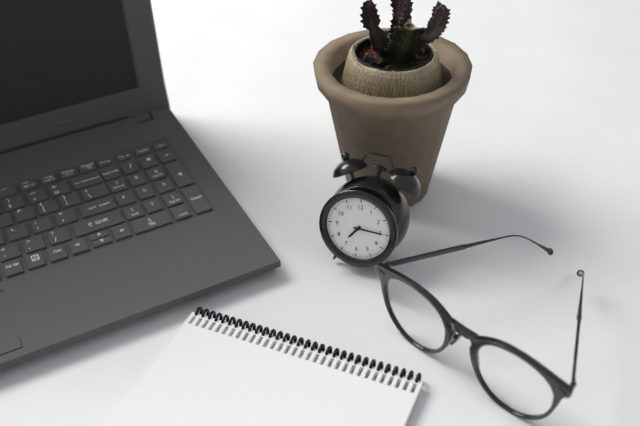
{"hour": 7, "minute": 15}
